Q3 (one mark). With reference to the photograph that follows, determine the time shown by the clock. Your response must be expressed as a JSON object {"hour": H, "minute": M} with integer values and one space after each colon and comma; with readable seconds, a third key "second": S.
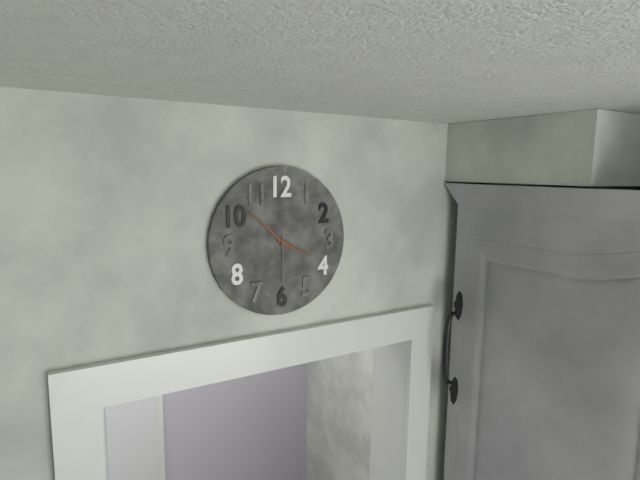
{"hour": 3, "minute": 52, "second": 30}
